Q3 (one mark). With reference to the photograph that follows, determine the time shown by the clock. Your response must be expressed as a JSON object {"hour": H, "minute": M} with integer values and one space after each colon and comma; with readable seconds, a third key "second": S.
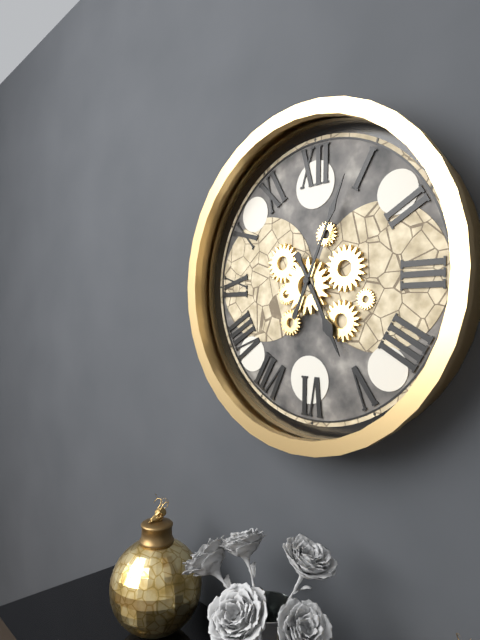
{"hour": 5, "minute": 4}
